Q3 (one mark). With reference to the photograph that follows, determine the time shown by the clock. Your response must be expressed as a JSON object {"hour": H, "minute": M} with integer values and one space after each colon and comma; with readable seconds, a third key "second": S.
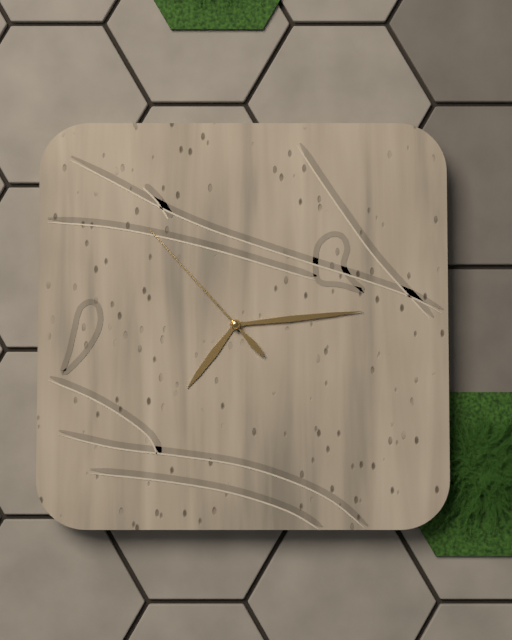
{"hour": 7, "minute": 14, "second": 53}
